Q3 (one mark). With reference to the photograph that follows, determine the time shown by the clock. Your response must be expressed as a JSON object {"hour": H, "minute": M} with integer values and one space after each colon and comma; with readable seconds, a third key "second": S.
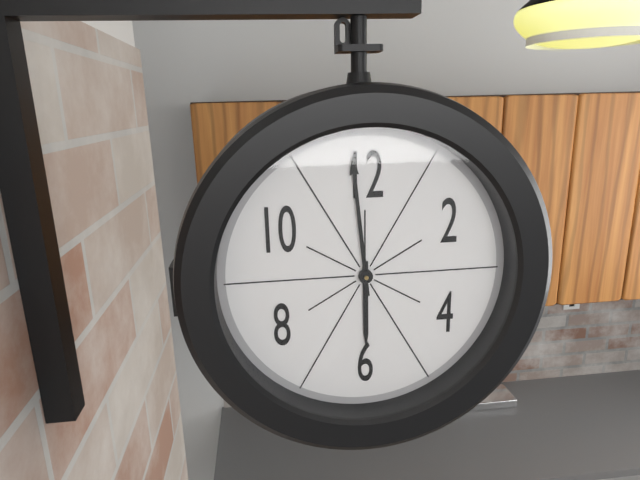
{"hour": 5, "minute": 59}
